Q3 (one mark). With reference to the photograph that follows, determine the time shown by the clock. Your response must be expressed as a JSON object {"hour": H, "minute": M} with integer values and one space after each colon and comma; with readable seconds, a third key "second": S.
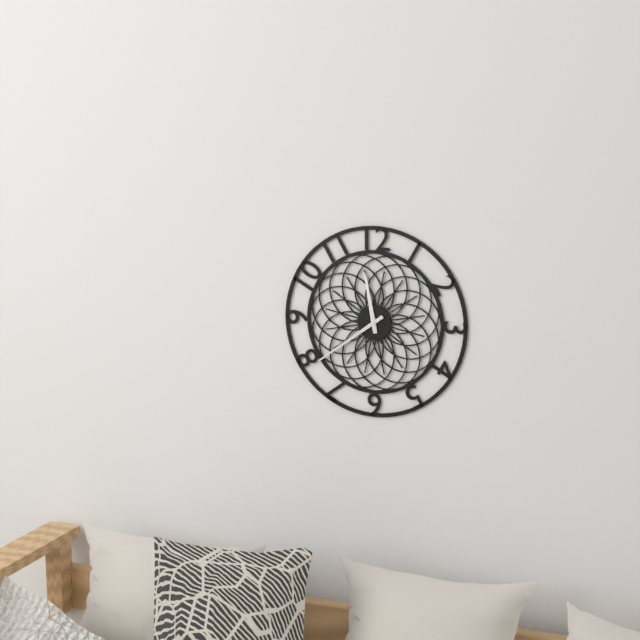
{"hour": 11, "minute": 39}
